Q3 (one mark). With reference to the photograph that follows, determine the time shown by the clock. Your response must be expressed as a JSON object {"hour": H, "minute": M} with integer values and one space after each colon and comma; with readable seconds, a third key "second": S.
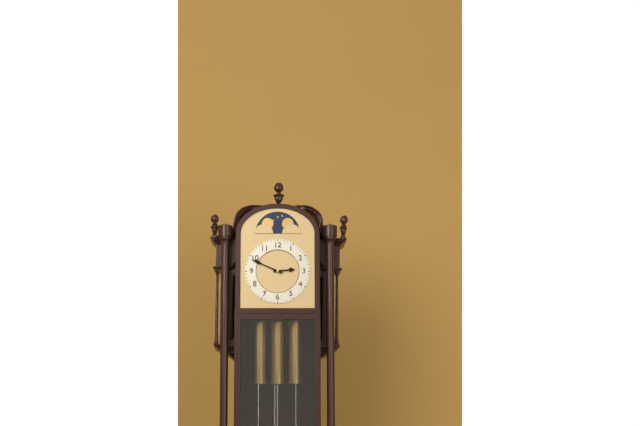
{"hour": 2, "minute": 49}
